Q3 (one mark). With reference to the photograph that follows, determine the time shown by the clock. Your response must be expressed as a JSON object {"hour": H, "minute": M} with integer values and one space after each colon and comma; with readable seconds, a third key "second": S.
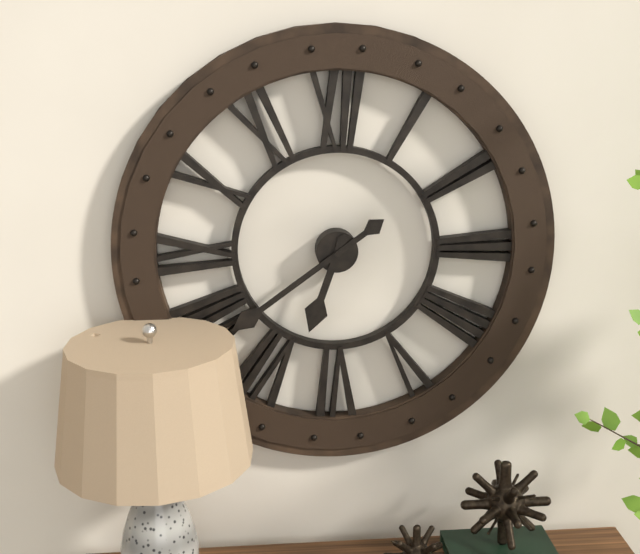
{"hour": 6, "minute": 39}
